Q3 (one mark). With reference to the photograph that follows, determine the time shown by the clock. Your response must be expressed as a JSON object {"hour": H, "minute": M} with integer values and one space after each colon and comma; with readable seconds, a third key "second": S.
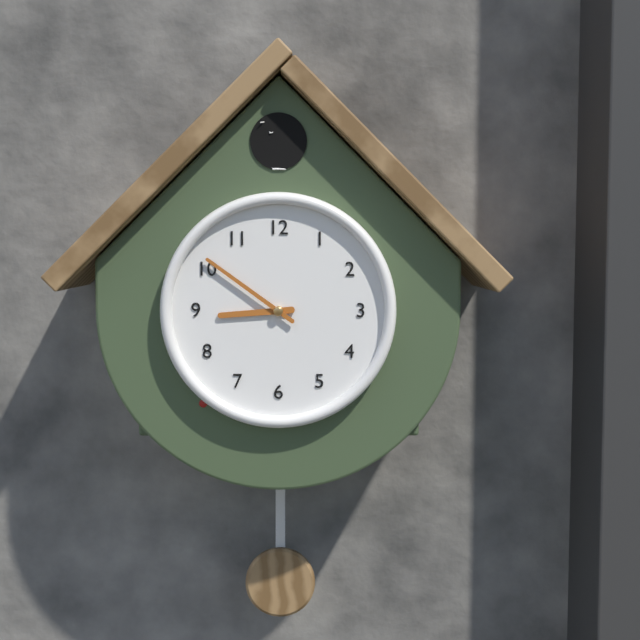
{"hour": 8, "minute": 51}
